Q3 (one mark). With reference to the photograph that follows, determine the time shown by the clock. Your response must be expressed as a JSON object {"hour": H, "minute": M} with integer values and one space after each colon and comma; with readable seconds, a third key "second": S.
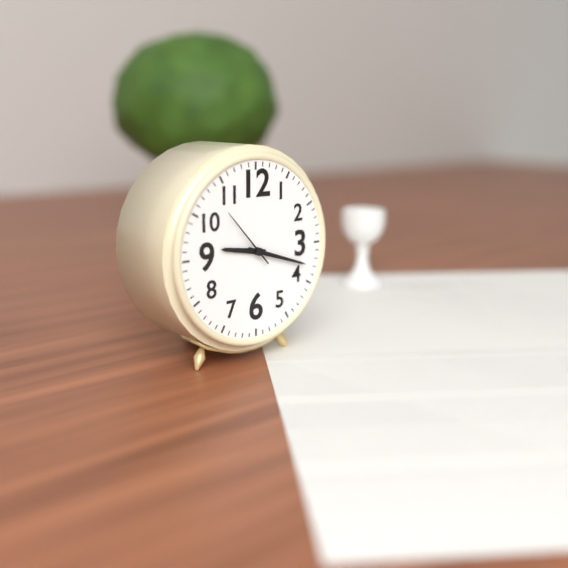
{"hour": 9, "minute": 18, "second": 53}
